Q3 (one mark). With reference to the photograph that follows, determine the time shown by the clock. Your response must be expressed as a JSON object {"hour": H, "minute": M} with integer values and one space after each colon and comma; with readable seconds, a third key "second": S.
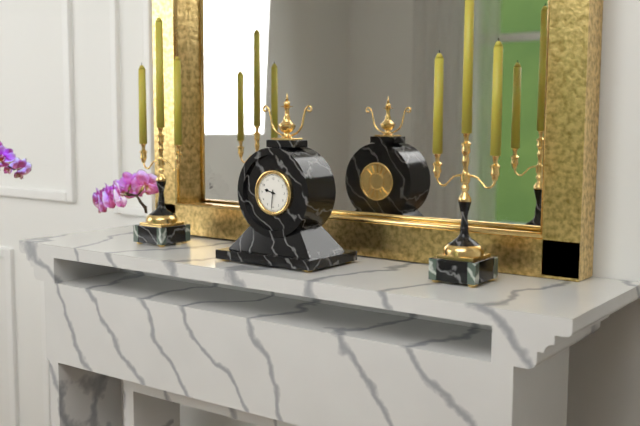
{"hour": 9, "minute": 31}
